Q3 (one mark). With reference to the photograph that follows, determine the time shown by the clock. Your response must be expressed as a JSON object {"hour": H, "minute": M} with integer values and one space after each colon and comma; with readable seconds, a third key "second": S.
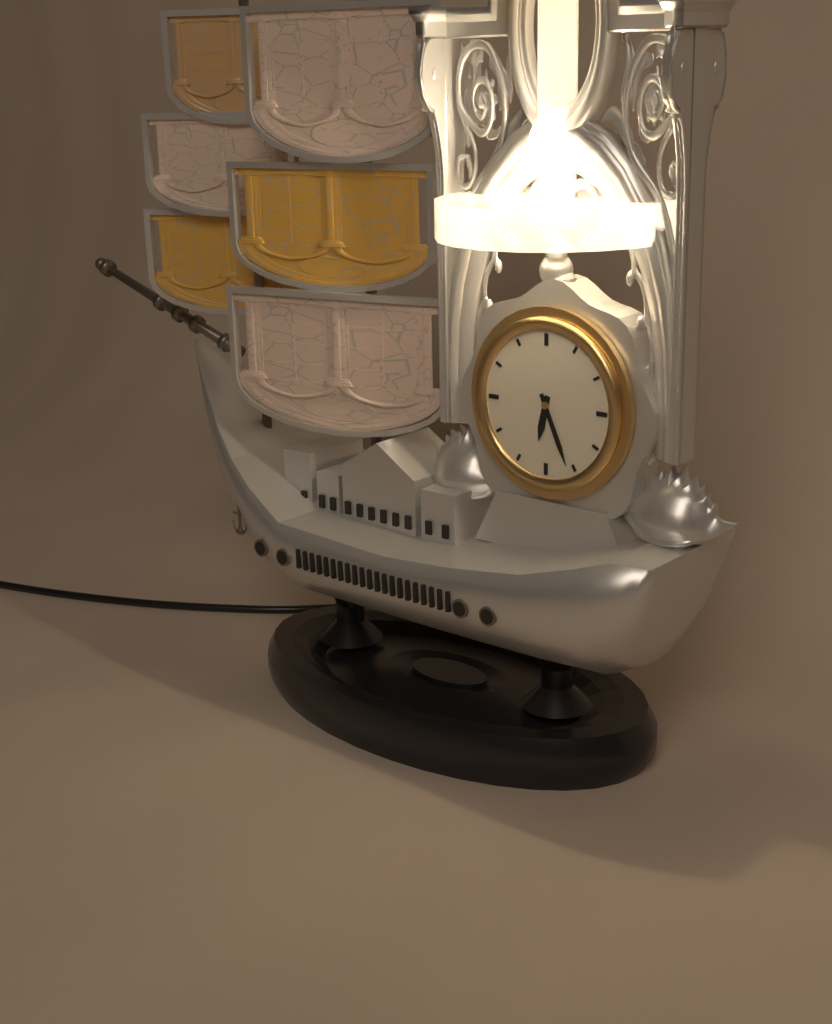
{"hour": 6, "minute": 26}
